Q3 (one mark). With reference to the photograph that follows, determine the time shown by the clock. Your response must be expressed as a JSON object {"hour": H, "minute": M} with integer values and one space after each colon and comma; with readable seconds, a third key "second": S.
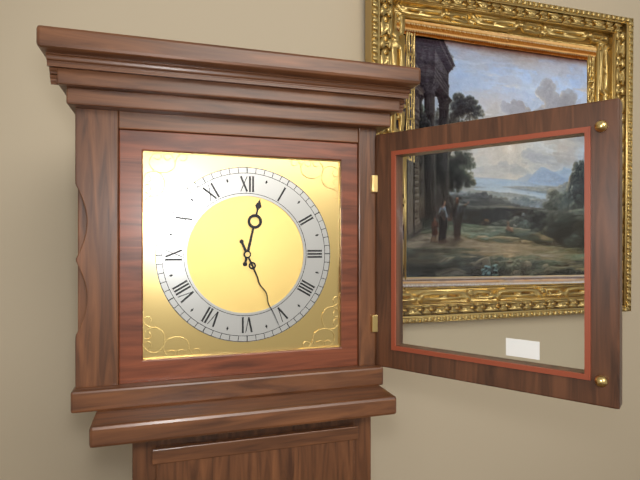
{"hour": 12, "minute": 26}
